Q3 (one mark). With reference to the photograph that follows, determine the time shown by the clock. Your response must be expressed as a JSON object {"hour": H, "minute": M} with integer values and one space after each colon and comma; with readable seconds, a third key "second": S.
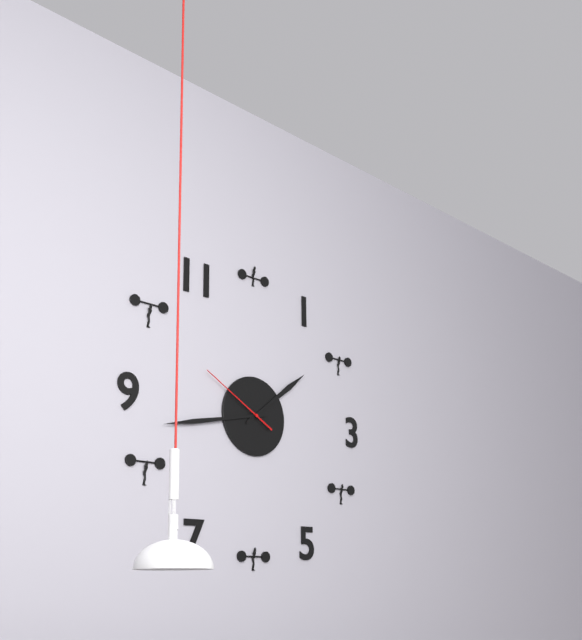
{"hour": 1, "minute": 43, "second": 50}
